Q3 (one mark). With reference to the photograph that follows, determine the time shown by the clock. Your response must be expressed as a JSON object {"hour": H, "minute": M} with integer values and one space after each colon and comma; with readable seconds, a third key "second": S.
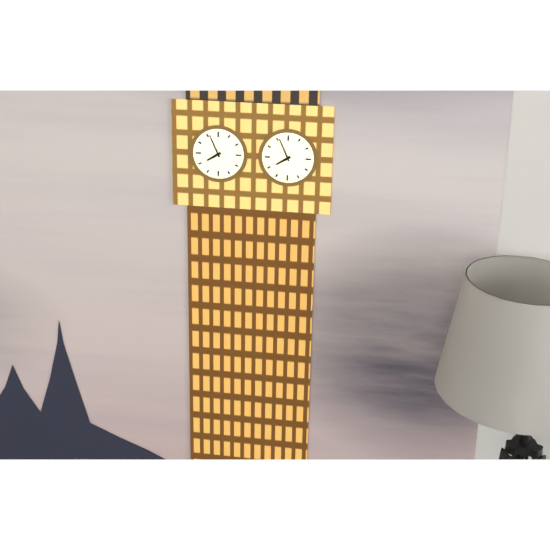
{"hour": 7, "minute": 56}
